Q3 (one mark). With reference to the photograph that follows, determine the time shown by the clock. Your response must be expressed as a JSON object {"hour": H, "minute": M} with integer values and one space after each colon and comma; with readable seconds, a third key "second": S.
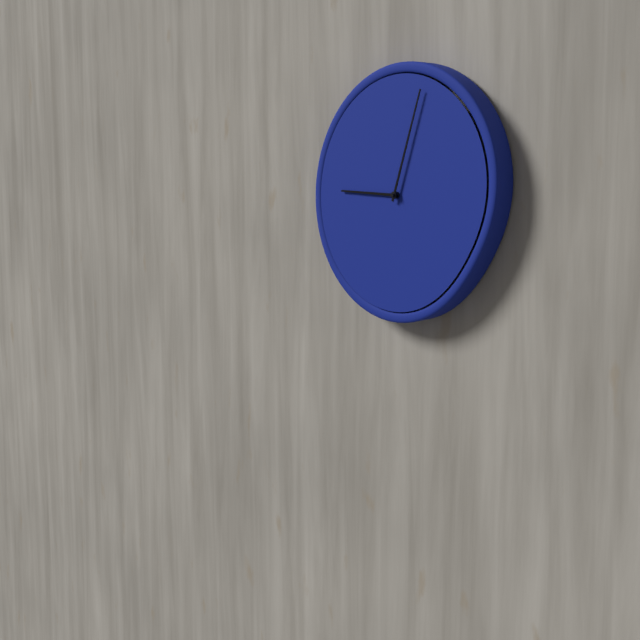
{"hour": 9, "minute": 3}
